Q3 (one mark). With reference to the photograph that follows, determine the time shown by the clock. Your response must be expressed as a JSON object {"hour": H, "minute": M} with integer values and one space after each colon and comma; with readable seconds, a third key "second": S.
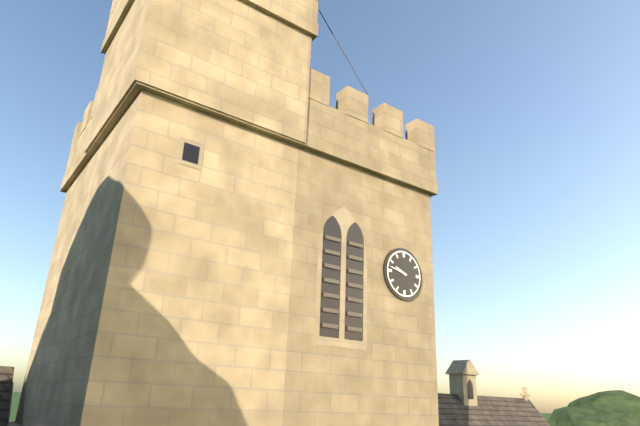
{"hour": 9, "minute": 47}
